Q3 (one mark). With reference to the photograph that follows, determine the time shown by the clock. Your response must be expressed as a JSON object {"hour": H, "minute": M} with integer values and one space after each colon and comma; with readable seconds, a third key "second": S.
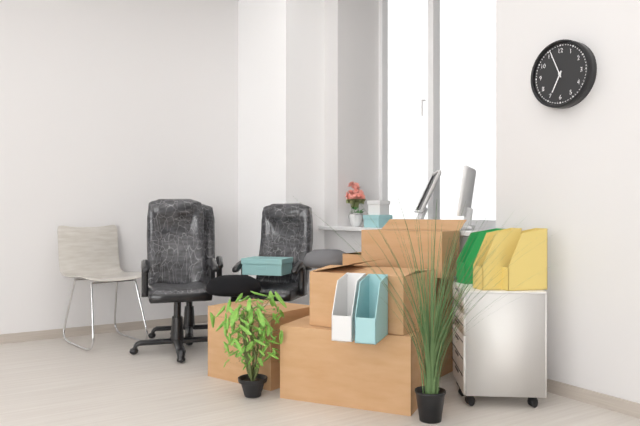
{"hour": 6, "minute": 56}
